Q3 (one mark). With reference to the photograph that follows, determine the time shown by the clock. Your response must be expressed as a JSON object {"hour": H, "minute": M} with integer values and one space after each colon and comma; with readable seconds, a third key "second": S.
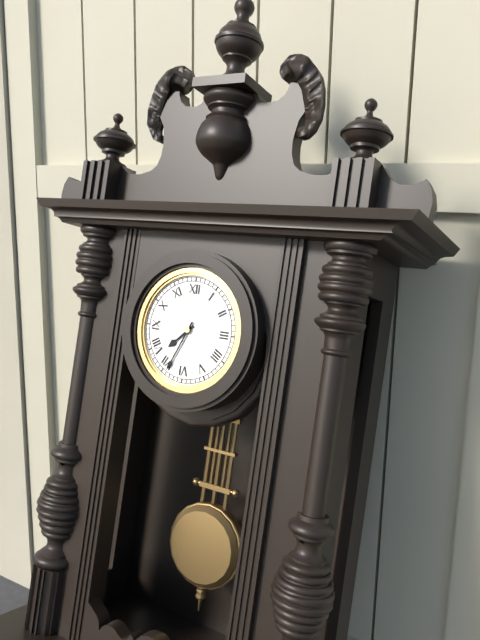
{"hour": 7, "minute": 34}
